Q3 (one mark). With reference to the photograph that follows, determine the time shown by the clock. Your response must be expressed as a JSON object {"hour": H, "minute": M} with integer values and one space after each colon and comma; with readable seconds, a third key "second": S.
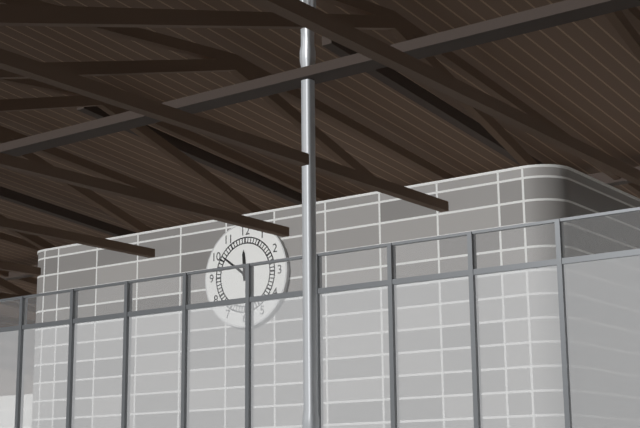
{"hour": 11, "minute": 51}
